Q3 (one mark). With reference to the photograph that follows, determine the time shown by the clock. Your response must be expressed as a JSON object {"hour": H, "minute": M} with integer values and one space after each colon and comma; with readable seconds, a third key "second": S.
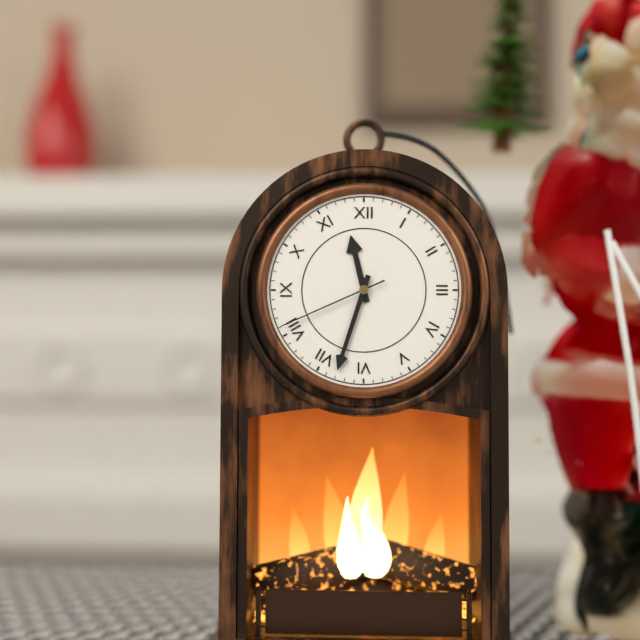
{"hour": 11, "minute": 33, "second": 41}
